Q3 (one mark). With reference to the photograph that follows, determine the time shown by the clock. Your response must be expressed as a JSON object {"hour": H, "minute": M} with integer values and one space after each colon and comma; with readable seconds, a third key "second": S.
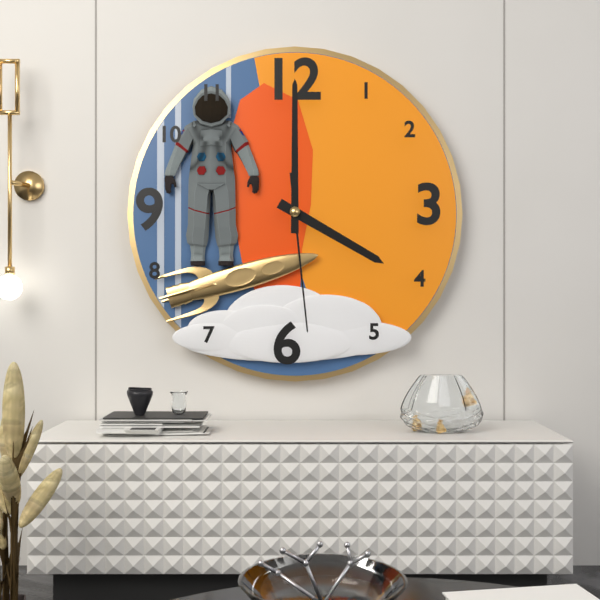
{"hour": 4, "minute": 0, "second": 29}
